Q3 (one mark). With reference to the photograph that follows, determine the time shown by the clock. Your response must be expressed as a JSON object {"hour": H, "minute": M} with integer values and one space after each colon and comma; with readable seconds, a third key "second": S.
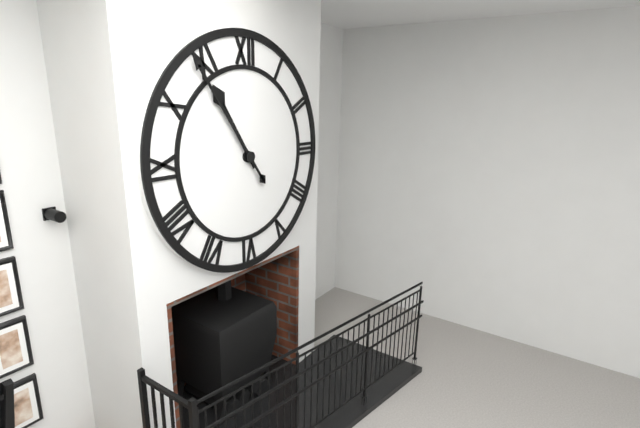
{"hour": 10, "minute": 54}
